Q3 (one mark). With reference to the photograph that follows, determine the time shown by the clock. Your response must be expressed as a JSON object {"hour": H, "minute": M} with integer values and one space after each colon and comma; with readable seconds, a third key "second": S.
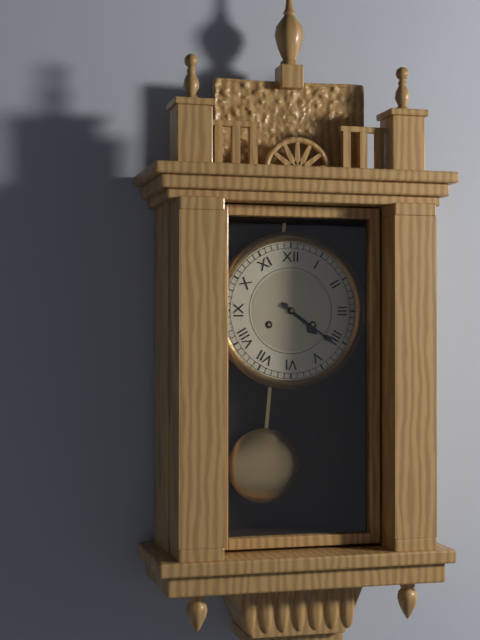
{"hour": 4, "minute": 21}
